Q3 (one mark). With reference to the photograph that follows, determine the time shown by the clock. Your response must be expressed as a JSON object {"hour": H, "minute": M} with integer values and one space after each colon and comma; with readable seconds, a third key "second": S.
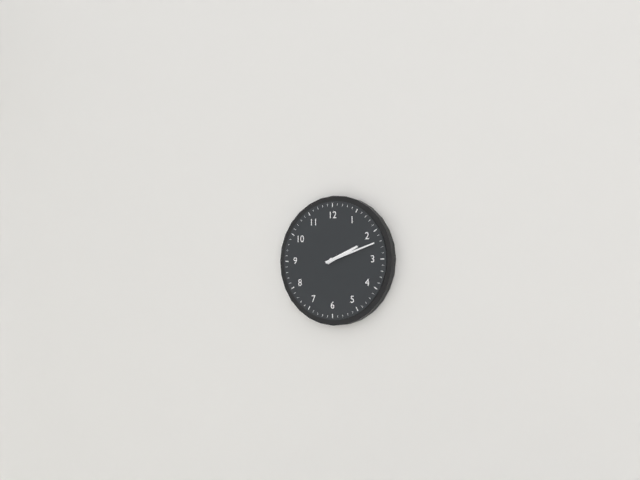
{"hour": 2, "minute": 12}
